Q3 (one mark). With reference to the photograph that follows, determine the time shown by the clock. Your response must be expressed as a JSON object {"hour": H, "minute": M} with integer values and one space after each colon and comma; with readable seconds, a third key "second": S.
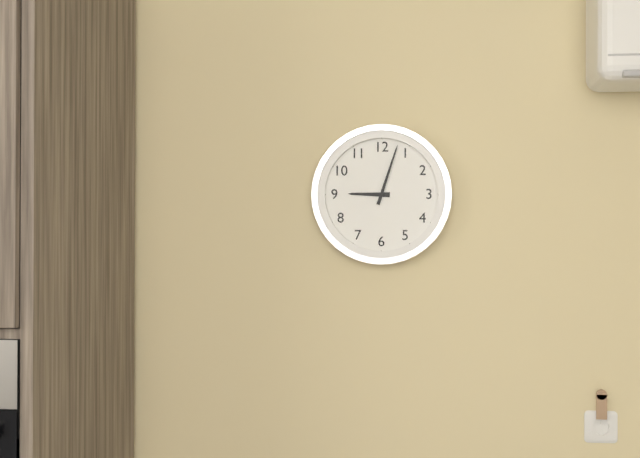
{"hour": 9, "minute": 3}
